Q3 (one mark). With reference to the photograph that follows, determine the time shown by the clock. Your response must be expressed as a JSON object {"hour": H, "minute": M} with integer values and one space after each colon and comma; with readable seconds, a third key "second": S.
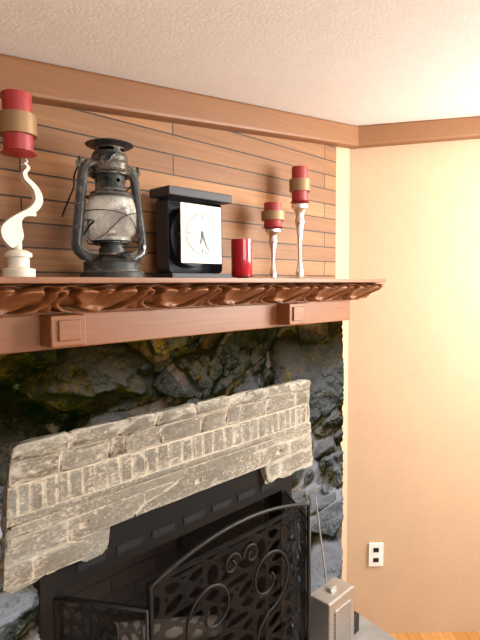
{"hour": 6, "minute": 26}
